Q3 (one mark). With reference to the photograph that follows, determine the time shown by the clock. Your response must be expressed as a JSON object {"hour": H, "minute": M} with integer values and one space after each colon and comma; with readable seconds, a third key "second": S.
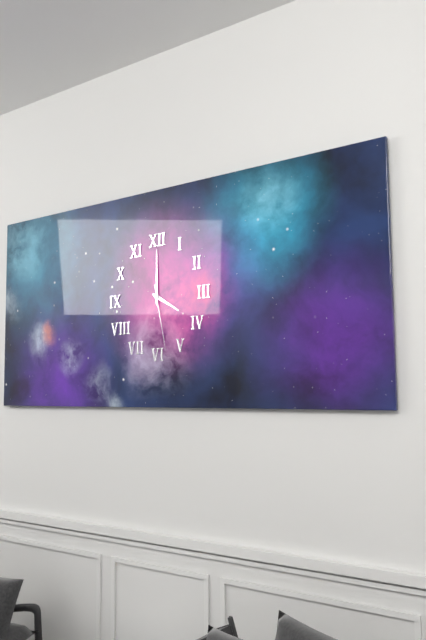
{"hour": 4, "minute": 0, "second": 28}
